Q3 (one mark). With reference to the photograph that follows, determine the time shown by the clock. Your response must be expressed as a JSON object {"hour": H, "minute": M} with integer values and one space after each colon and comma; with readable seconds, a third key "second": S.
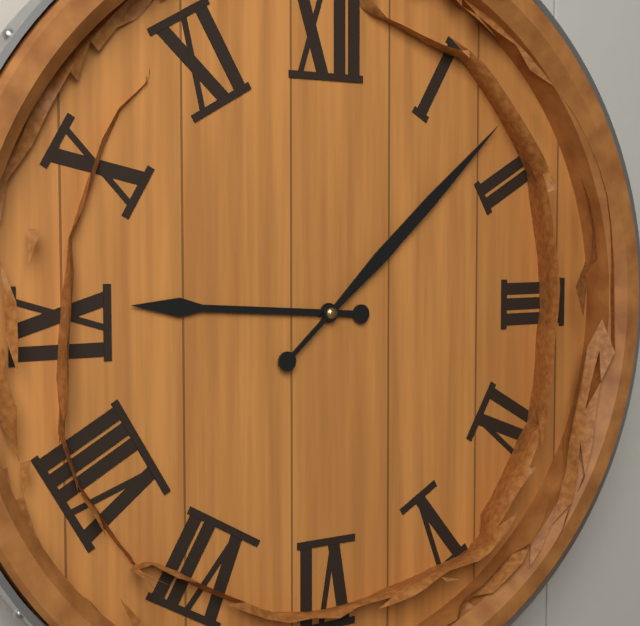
{"hour": 9, "minute": 8}
